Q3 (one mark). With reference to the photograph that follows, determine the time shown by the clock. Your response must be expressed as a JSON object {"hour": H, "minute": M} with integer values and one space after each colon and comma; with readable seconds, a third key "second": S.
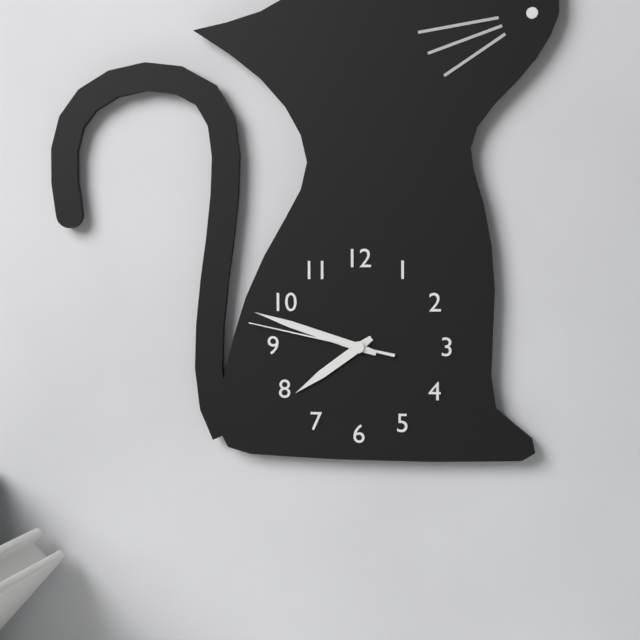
{"hour": 7, "minute": 48, "second": 47}
